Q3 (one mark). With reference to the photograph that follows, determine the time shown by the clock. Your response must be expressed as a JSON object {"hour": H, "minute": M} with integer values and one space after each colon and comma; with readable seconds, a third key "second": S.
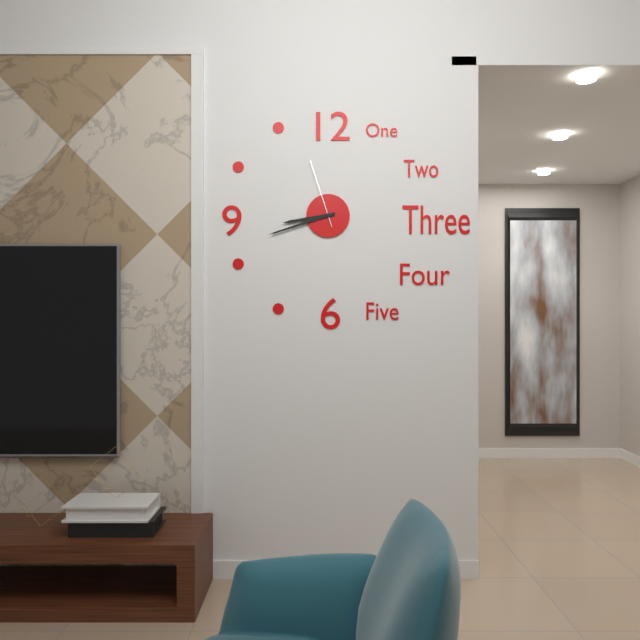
{"hour": 8, "minute": 42, "second": 57}
